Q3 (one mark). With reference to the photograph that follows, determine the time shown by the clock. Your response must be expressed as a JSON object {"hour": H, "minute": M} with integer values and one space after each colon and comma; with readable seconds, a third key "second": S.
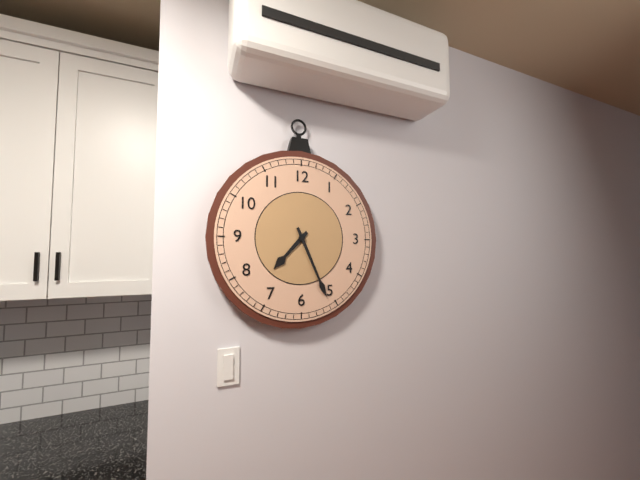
{"hour": 7, "minute": 26}
